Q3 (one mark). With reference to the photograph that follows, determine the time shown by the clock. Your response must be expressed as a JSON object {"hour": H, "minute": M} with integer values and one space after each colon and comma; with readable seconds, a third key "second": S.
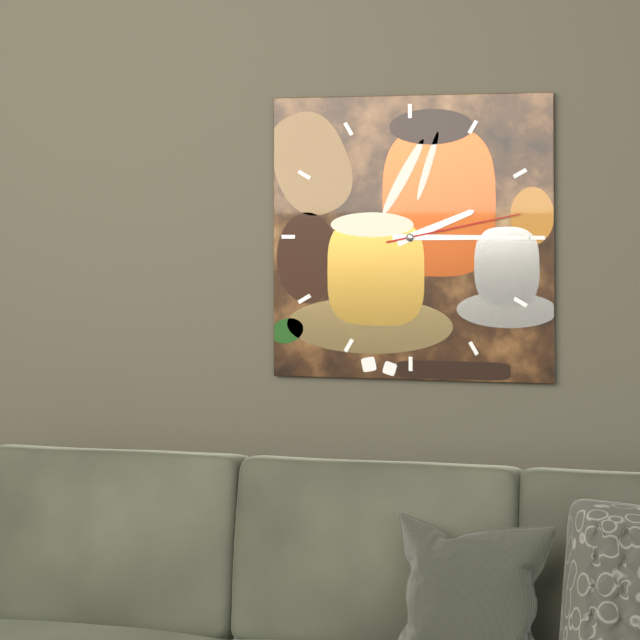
{"hour": 2, "minute": 15, "second": 13}
